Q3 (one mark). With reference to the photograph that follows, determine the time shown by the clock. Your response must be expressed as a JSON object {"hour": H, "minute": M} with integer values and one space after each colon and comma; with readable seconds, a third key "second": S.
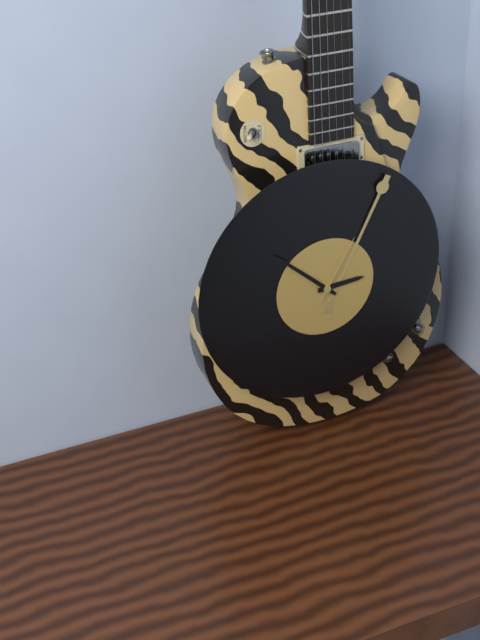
{"hour": 2, "minute": 52, "second": 5}
